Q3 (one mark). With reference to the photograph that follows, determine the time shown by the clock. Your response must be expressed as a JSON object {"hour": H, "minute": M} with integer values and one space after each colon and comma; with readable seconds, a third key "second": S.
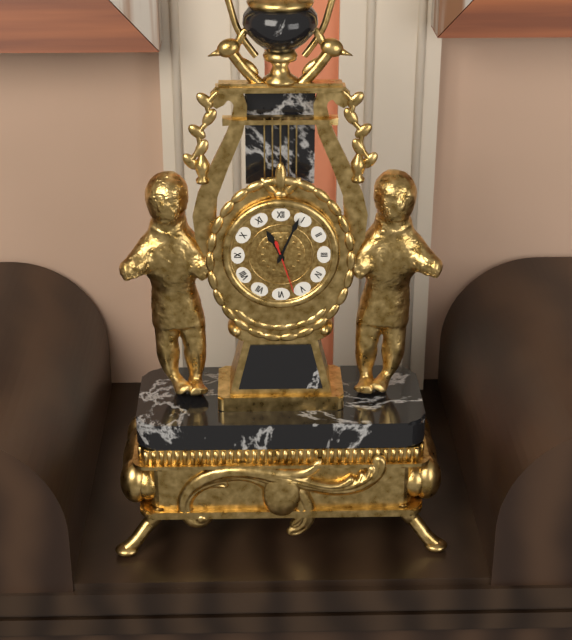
{"hour": 11, "minute": 4}
